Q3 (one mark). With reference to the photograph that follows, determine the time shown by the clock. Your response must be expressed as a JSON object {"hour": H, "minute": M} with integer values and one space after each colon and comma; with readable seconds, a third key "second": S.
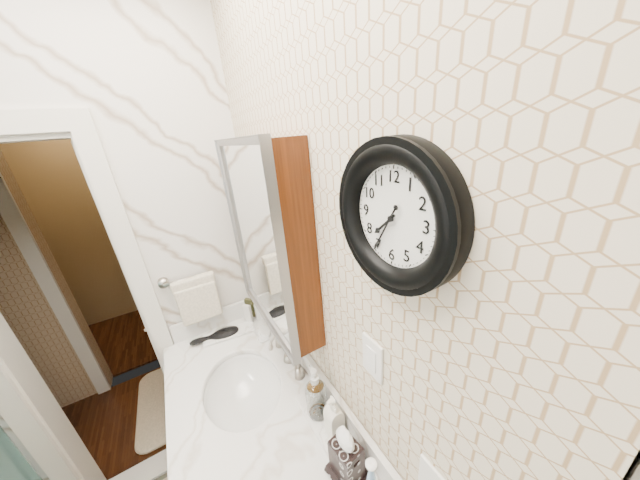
{"hour": 7, "minute": 35}
